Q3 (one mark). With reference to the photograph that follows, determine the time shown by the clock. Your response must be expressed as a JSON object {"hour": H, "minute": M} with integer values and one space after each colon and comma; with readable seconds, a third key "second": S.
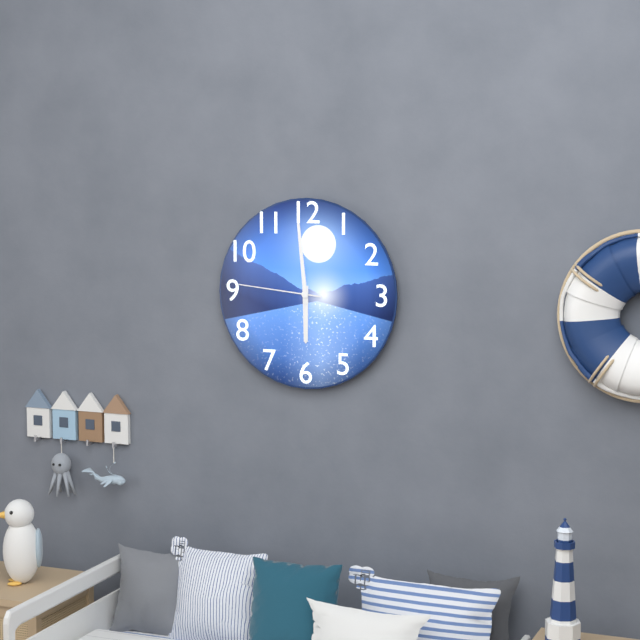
{"hour": 5, "minute": 59, "second": 46}
